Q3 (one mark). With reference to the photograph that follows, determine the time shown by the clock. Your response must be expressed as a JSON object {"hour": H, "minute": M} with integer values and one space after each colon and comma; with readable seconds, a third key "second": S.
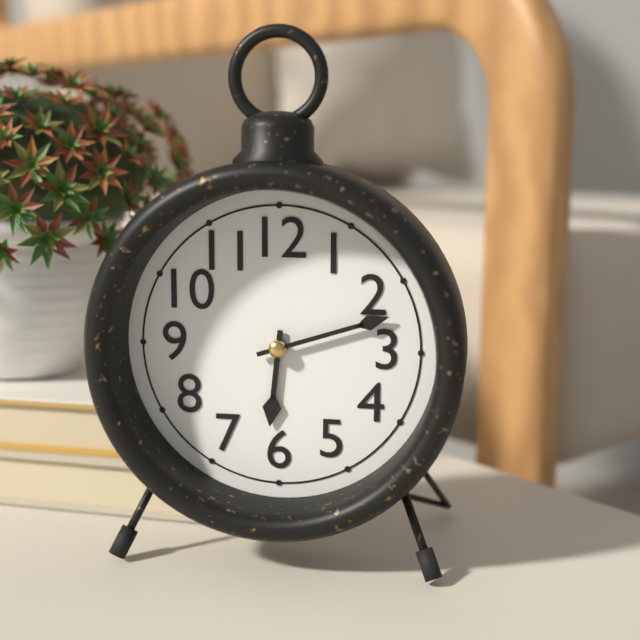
{"hour": 6, "minute": 12}
